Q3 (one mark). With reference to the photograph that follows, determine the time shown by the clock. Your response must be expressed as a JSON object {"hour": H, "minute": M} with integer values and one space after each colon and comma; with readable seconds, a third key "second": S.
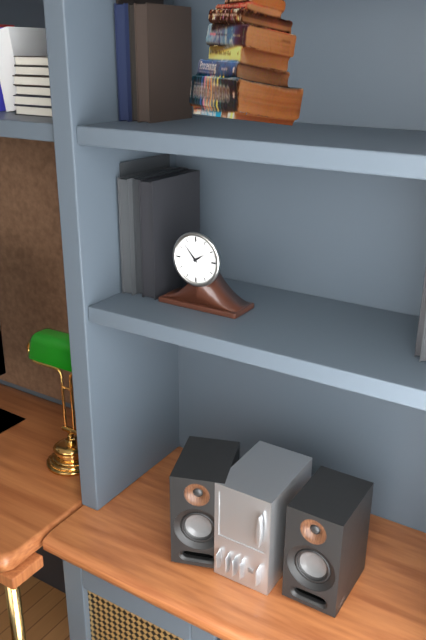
{"hour": 1, "minute": 53}
